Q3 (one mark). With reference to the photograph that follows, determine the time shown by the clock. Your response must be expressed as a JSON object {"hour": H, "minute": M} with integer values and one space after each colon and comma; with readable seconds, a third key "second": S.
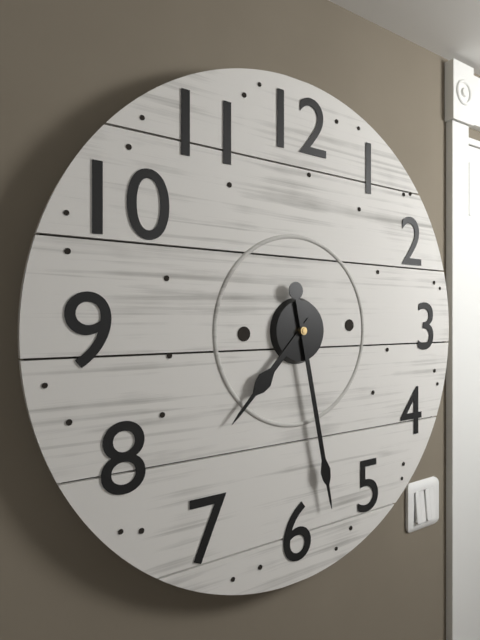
{"hour": 7, "minute": 28}
